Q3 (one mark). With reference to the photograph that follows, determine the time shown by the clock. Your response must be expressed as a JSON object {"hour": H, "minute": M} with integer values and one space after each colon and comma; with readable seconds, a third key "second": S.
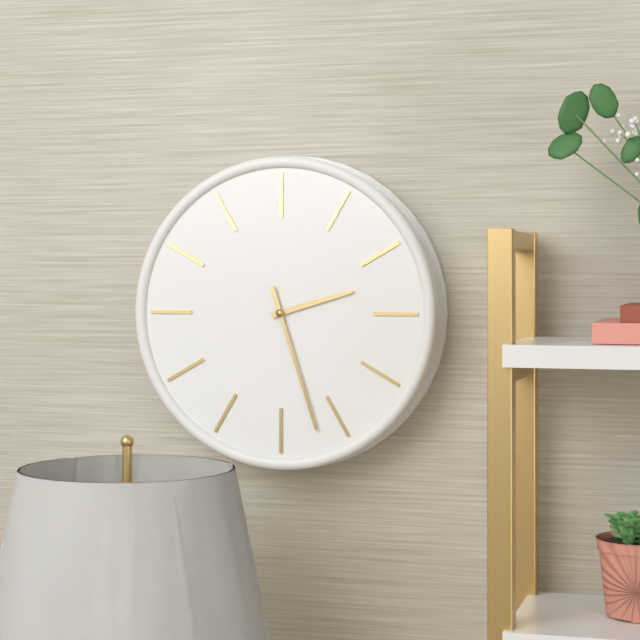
{"hour": 2, "minute": 27}
